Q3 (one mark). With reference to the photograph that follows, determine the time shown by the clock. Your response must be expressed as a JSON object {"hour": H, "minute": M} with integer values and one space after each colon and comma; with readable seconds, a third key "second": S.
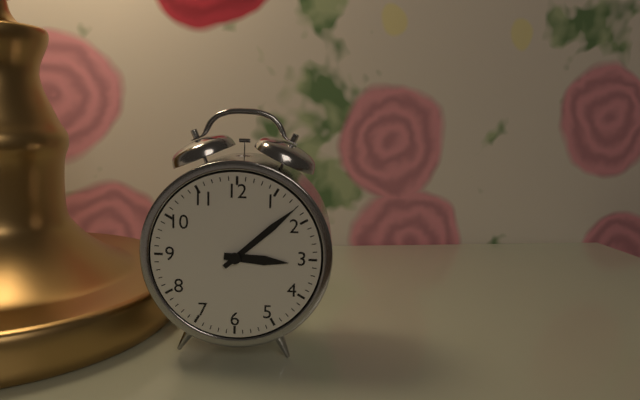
{"hour": 3, "minute": 8}
